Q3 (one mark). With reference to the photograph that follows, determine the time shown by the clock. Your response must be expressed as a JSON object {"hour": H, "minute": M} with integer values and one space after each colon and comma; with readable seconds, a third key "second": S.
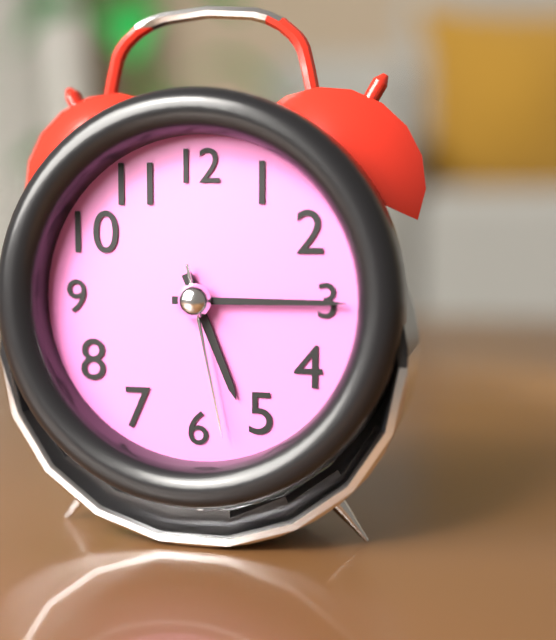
{"hour": 5, "minute": 15, "second": 28}
